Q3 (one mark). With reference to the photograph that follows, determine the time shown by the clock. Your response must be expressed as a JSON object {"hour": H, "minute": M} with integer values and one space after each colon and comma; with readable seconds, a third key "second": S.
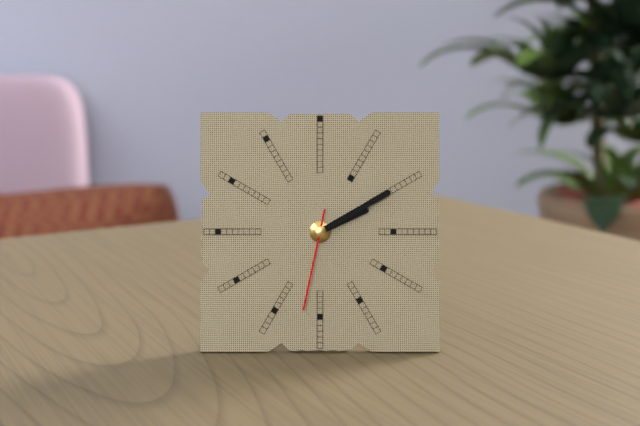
{"hour": 2, "minute": 10, "second": 32}
